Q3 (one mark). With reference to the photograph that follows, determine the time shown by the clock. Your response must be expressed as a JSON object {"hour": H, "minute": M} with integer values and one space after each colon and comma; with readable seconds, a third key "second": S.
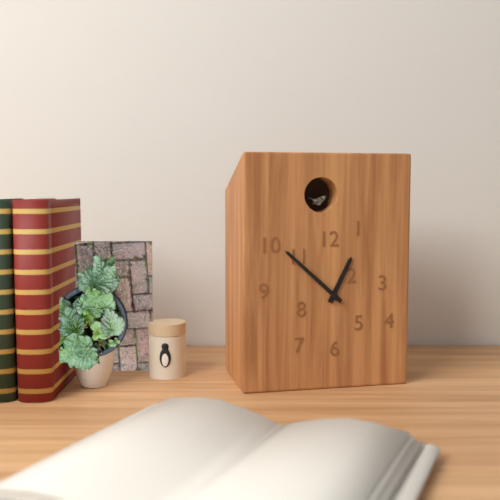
{"hour": 12, "minute": 52}
